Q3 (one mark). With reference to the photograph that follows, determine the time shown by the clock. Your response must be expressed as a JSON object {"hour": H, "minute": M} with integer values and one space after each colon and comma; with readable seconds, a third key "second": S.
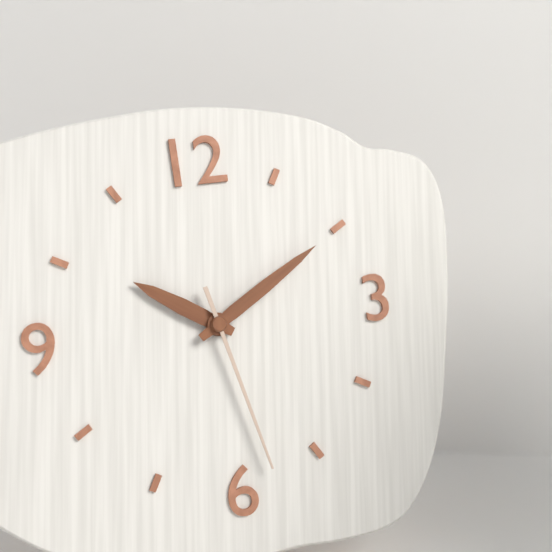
{"hour": 10, "minute": 10, "second": 28}
